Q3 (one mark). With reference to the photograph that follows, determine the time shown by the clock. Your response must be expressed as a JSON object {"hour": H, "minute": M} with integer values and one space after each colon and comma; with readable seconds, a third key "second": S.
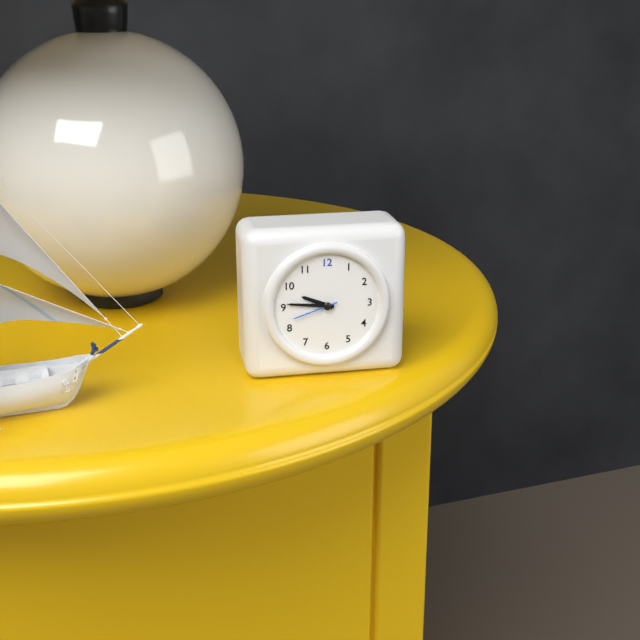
{"hour": 9, "minute": 46}
